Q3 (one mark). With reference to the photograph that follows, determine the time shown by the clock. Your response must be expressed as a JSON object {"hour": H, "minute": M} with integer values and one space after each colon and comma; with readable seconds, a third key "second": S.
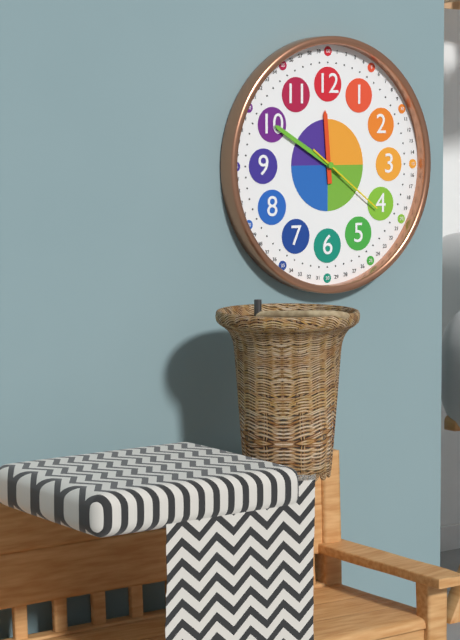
{"hour": 11, "minute": 50, "second": 21}
